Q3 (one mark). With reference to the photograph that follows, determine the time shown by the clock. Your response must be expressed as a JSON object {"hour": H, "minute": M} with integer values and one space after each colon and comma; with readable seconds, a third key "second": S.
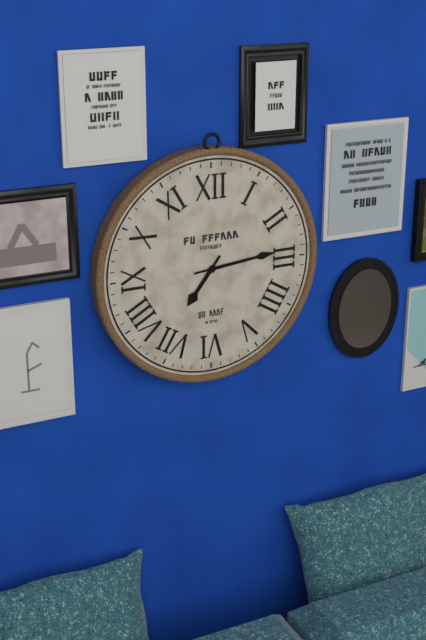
{"hour": 7, "minute": 14}
